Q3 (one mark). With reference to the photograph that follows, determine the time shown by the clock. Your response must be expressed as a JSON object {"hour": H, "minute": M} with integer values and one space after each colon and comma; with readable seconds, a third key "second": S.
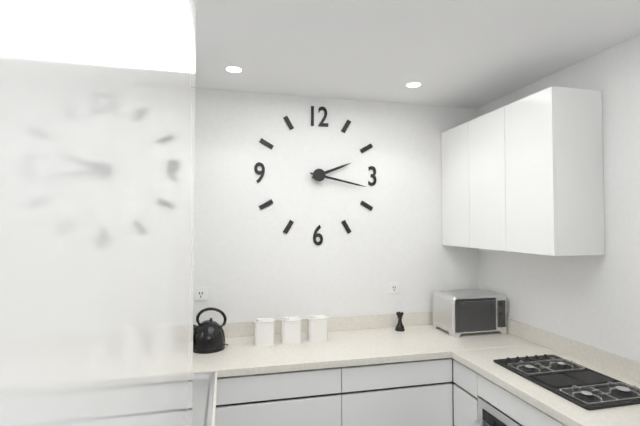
{"hour": 2, "minute": 17}
